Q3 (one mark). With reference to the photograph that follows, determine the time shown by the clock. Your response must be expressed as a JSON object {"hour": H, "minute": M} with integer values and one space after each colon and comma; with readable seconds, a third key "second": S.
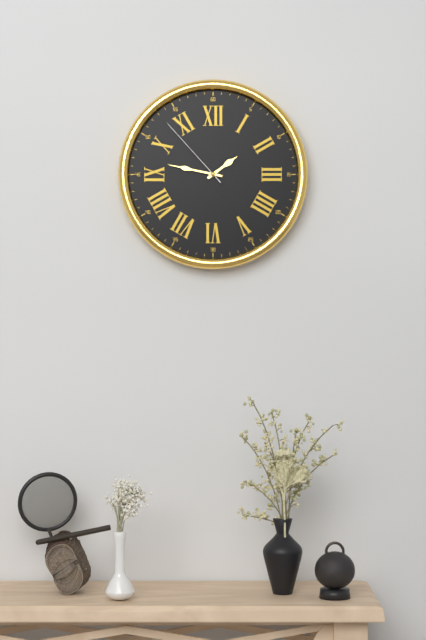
{"hour": 1, "minute": 47, "second": 53}
